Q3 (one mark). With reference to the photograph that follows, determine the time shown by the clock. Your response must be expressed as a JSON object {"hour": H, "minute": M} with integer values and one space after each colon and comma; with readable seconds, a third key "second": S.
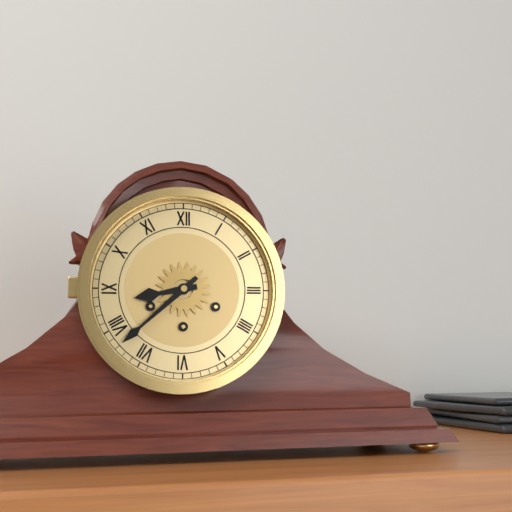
{"hour": 8, "minute": 38}
